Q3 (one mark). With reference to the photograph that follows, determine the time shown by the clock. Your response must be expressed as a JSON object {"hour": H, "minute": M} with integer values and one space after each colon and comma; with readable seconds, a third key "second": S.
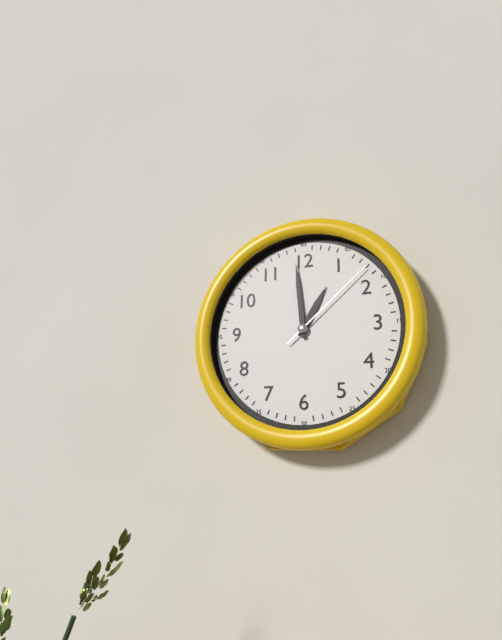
{"hour": 12, "minute": 59, "second": 8}
